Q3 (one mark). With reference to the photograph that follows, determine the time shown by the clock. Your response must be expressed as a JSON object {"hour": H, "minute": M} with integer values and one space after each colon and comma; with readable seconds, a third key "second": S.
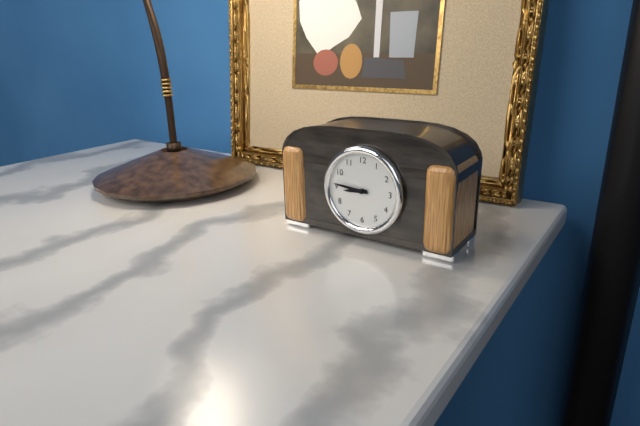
{"hour": 8, "minute": 46}
